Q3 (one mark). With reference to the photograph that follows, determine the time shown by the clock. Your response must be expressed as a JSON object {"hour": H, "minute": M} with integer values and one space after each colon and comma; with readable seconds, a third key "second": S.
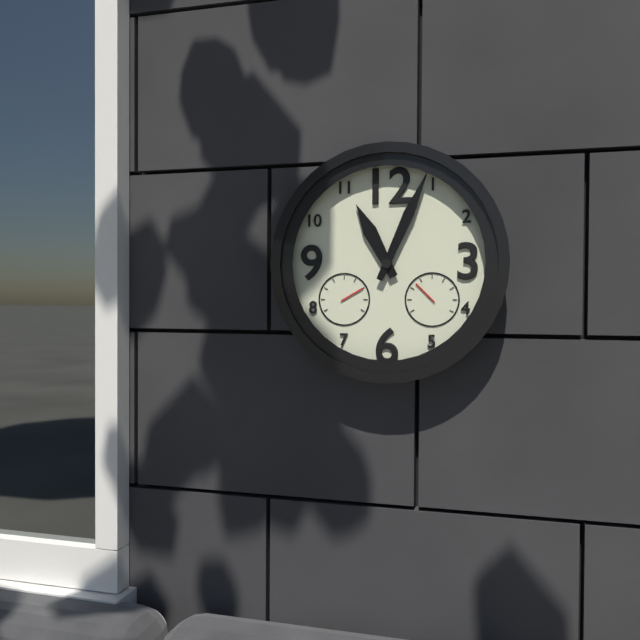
{"hour": 11, "minute": 4}
